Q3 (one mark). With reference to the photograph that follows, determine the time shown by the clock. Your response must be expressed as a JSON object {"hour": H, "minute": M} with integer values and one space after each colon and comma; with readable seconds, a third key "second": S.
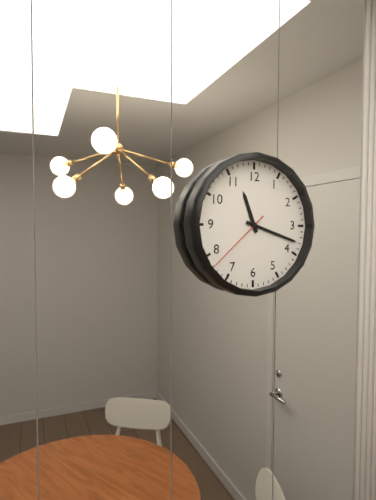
{"hour": 11, "minute": 18, "second": 38}
